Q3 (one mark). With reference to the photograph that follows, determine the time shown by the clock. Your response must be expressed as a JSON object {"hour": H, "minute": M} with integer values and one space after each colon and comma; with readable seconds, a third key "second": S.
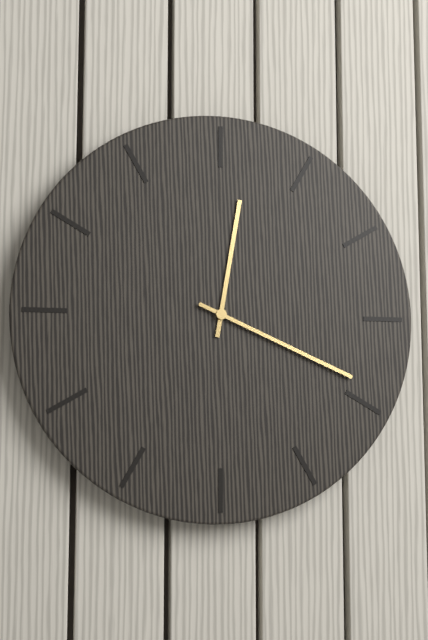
{"hour": 12, "minute": 19}
